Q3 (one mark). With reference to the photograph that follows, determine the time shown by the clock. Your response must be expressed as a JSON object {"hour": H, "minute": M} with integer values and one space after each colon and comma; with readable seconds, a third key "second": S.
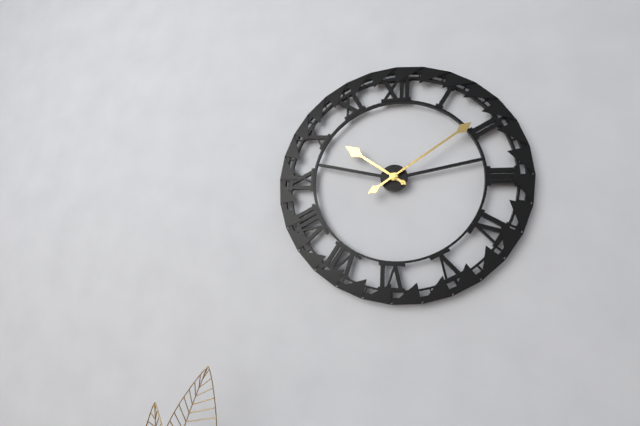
{"hour": 10, "minute": 9}
